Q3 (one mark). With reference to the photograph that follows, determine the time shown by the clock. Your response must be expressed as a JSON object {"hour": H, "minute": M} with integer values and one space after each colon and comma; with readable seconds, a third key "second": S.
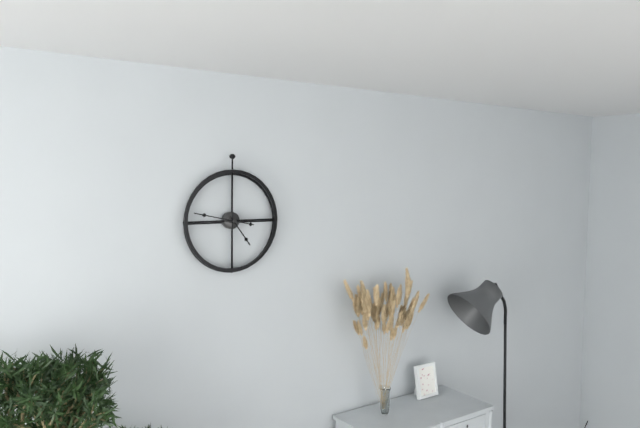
{"hour": 4, "minute": 47}
